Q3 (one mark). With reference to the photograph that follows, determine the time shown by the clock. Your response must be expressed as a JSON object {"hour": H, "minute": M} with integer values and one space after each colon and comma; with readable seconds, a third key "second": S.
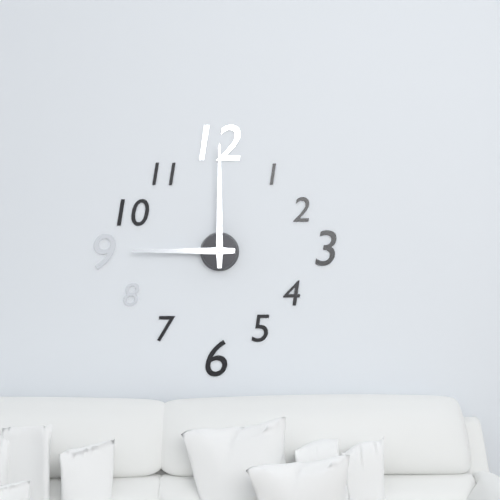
{"hour": 9, "minute": 0}
